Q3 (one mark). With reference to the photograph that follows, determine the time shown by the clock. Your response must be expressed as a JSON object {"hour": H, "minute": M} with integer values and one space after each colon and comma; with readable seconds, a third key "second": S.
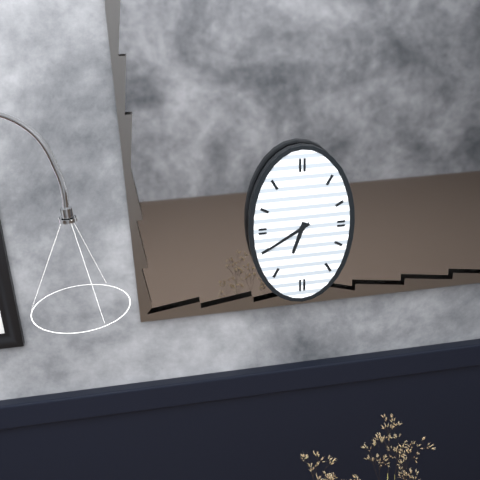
{"hour": 6, "minute": 40}
